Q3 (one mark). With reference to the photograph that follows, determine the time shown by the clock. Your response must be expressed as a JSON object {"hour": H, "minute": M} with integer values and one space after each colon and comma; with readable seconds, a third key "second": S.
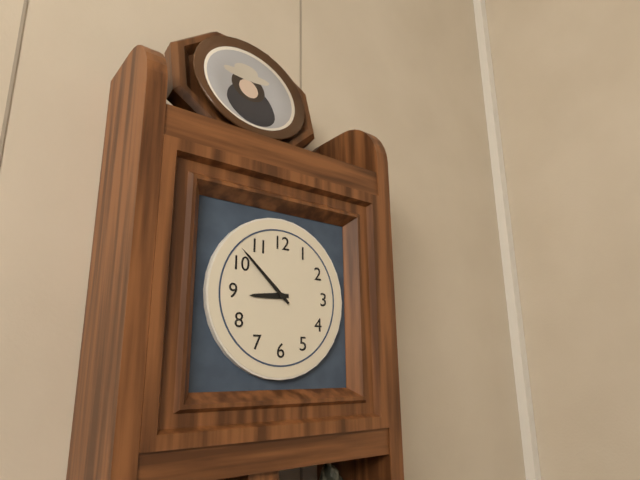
{"hour": 8, "minute": 52}
